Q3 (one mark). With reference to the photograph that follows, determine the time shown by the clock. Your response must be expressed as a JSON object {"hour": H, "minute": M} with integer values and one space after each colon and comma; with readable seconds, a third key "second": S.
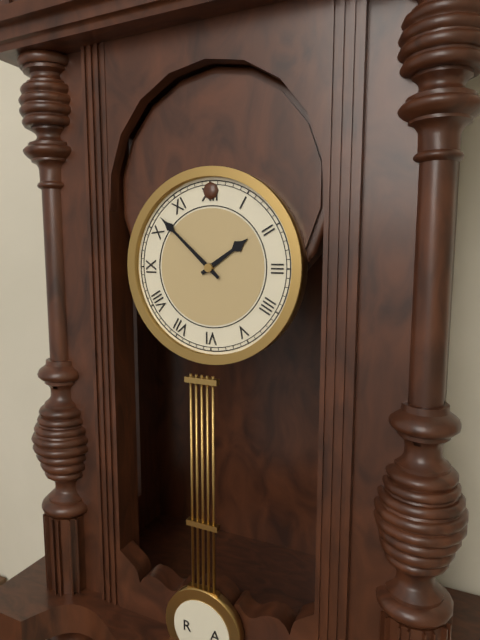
{"hour": 1, "minute": 52}
